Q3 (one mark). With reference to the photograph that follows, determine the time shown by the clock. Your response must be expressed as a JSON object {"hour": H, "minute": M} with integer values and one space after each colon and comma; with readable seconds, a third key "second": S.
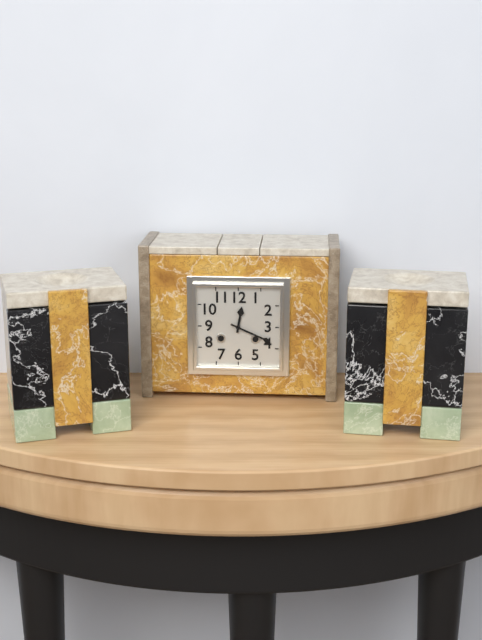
{"hour": 12, "minute": 19}
